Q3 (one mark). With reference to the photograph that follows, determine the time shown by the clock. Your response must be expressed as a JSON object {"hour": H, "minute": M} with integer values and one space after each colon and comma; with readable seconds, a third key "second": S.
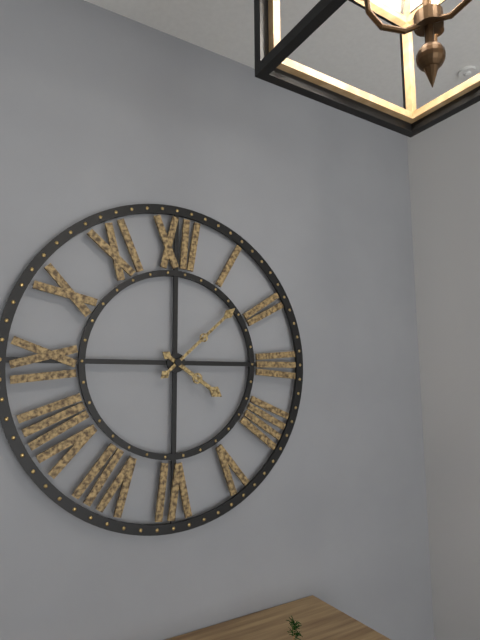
{"hour": 4, "minute": 8}
